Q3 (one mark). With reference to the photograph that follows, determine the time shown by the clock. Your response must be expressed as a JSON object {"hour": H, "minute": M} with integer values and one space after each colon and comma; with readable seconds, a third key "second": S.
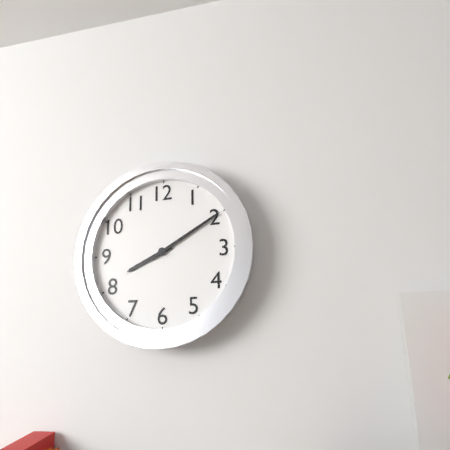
{"hour": 8, "minute": 10}
